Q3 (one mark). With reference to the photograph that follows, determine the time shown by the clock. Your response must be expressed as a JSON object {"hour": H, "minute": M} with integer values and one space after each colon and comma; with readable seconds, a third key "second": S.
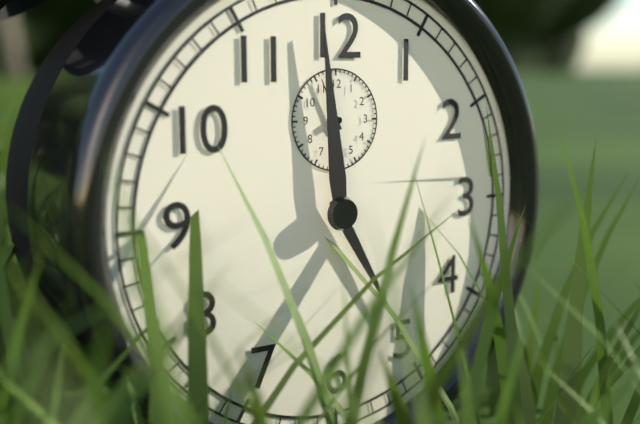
{"hour": 4, "minute": 59, "second": 56}
